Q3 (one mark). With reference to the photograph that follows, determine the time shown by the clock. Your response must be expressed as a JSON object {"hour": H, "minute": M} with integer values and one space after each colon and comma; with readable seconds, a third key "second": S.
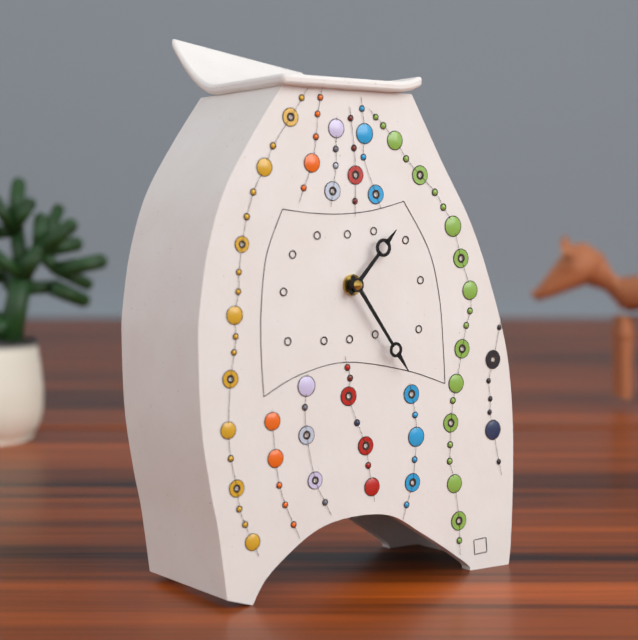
{"hour": 1, "minute": 24}
